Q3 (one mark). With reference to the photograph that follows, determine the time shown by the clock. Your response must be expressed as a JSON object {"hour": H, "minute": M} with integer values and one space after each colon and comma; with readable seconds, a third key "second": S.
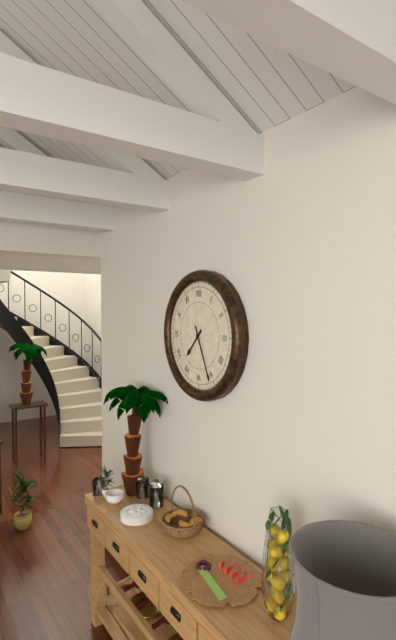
{"hour": 7, "minute": 26}
